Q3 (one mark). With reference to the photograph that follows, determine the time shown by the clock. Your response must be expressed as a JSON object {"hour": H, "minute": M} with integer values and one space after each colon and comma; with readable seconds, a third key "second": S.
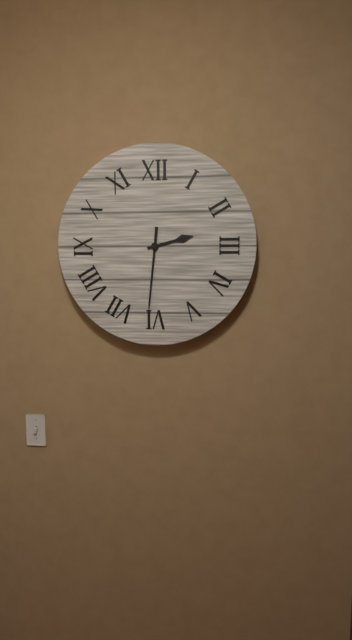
{"hour": 2, "minute": 31}
